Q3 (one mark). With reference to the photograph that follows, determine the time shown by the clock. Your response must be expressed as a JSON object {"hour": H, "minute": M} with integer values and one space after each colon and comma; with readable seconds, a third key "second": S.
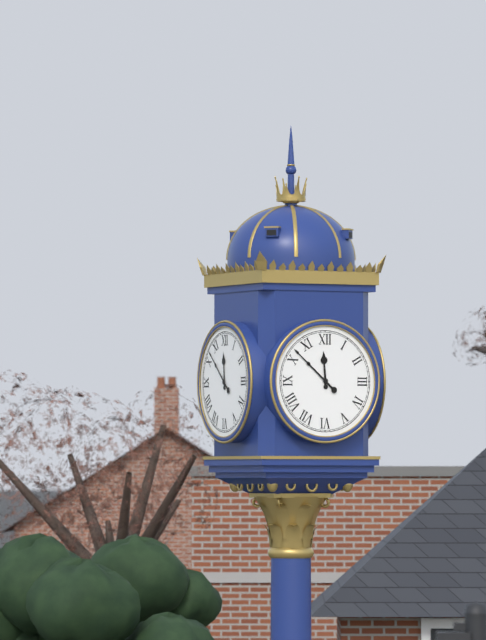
{"hour": 11, "minute": 52}
